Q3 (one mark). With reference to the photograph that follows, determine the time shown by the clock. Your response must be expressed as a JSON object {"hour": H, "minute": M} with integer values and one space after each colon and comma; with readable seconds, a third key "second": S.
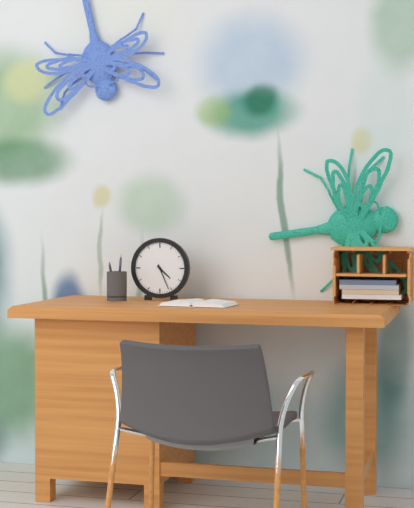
{"hour": 4, "minute": 26}
